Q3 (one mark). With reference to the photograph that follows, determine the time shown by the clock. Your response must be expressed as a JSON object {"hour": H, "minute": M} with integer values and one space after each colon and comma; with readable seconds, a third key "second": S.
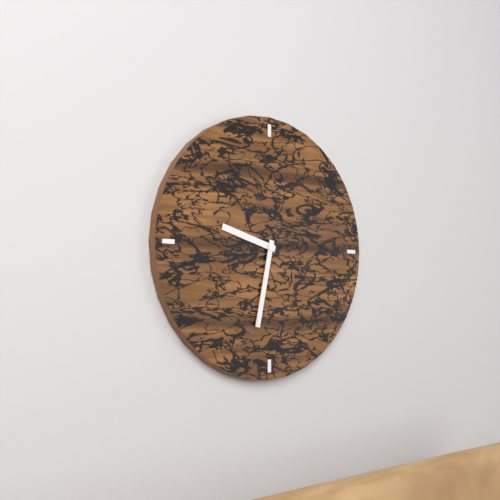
{"hour": 9, "minute": 32}
